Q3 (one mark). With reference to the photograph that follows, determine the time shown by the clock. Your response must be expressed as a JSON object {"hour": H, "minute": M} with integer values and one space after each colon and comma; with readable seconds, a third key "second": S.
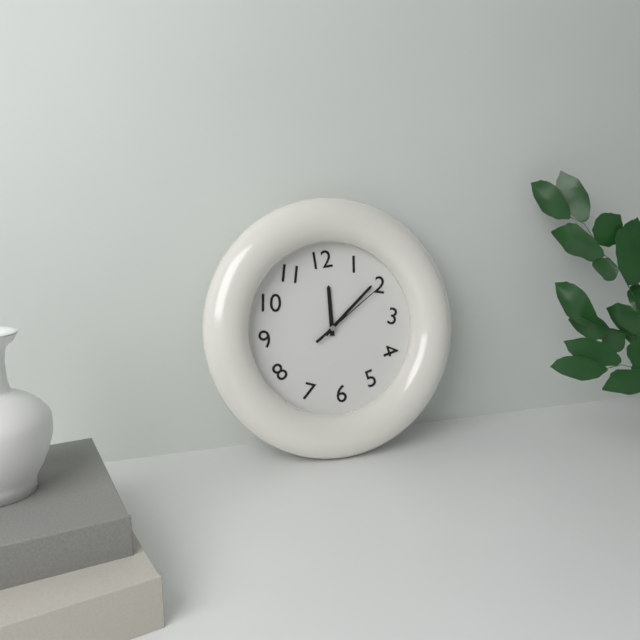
{"hour": 12, "minute": 9, "second": 10}
